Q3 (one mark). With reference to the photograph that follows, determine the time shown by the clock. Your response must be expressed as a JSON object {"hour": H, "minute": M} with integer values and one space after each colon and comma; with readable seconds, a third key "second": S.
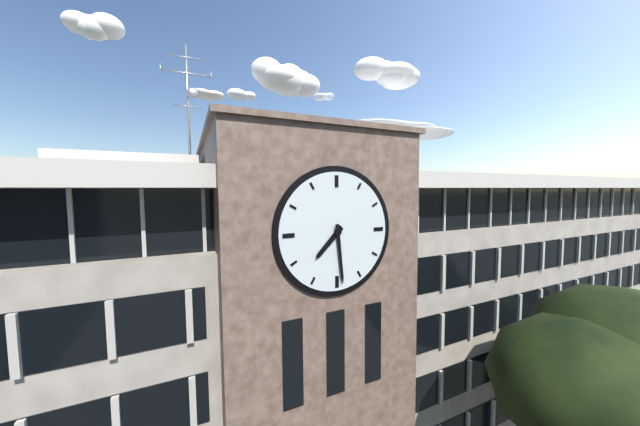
{"hour": 7, "minute": 29}
